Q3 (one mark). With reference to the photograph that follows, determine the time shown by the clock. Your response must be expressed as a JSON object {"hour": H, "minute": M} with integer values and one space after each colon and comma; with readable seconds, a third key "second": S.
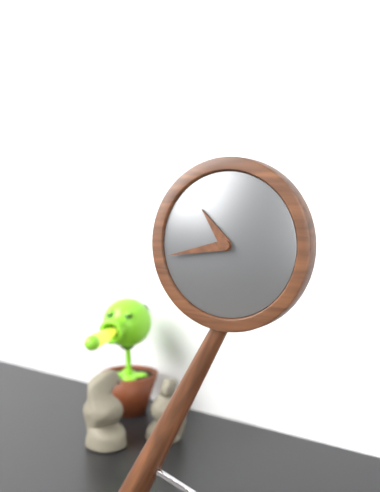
{"hour": 10, "minute": 43}
